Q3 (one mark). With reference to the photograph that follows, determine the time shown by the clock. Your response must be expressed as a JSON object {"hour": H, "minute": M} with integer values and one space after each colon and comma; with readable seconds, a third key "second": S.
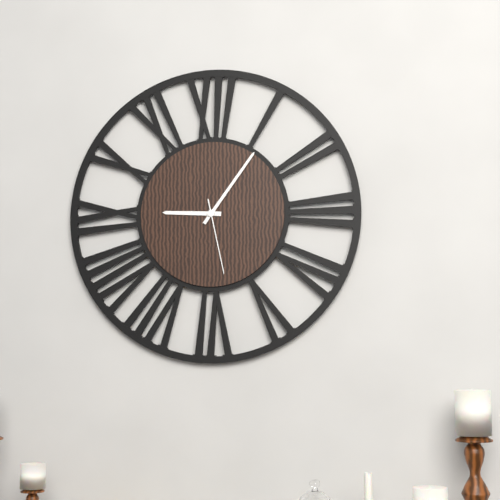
{"hour": 9, "minute": 6, "second": 28}
